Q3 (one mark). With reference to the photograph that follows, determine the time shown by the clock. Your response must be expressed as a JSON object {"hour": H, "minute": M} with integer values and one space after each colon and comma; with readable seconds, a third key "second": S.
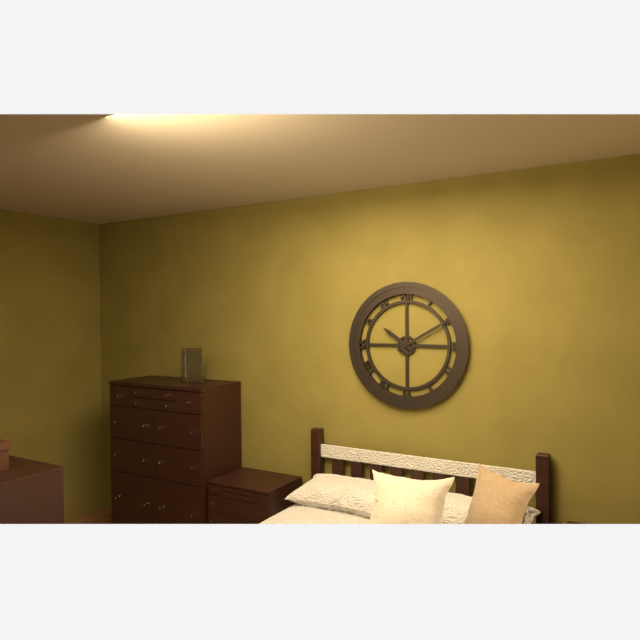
{"hour": 10, "minute": 10}
